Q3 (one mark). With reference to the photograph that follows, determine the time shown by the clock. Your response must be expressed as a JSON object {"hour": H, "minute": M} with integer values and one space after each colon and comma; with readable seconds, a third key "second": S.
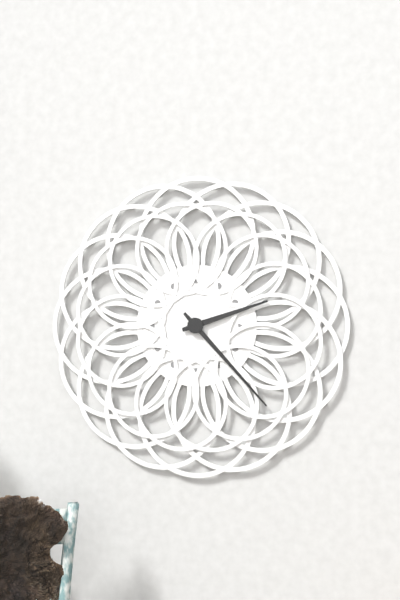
{"hour": 2, "minute": 23}
